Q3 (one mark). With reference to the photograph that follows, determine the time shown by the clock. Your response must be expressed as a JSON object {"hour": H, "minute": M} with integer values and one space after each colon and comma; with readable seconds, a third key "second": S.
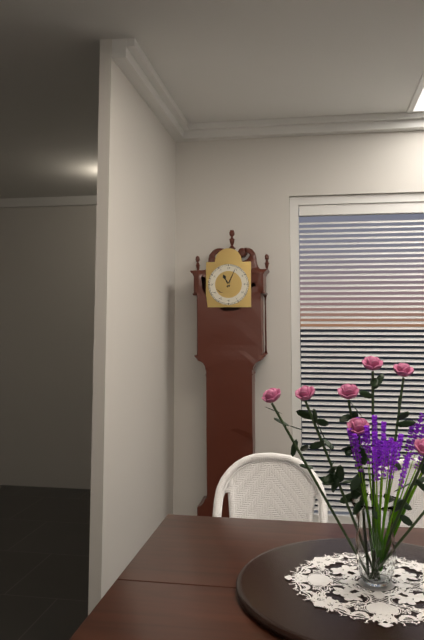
{"hour": 11, "minute": 4}
